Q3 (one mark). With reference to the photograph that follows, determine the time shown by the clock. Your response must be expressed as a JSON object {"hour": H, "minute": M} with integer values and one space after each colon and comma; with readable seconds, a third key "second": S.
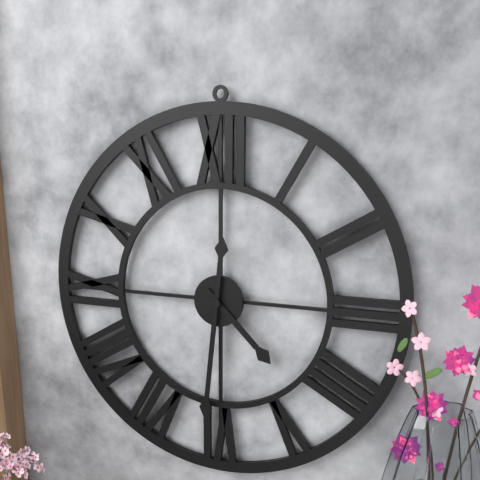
{"hour": 4, "minute": 31}
